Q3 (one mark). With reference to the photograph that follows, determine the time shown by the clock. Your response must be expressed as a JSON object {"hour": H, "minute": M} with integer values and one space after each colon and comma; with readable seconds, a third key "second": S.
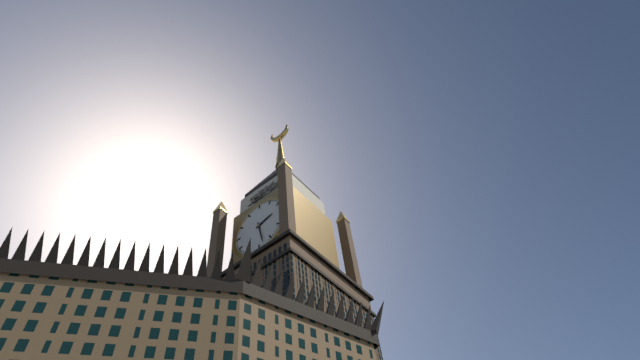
{"hour": 2, "minute": 28}
